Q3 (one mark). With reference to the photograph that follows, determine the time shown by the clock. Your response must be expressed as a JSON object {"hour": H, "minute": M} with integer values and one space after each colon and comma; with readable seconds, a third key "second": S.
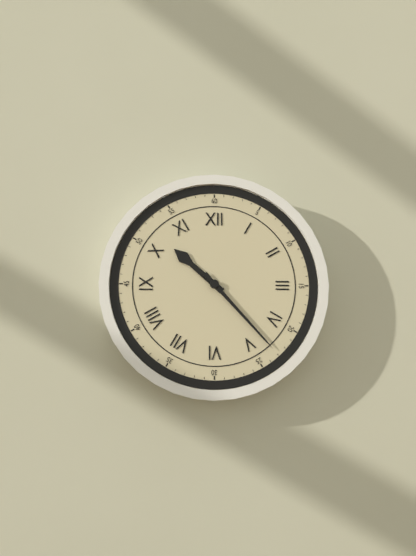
{"hour": 10, "minute": 23}
